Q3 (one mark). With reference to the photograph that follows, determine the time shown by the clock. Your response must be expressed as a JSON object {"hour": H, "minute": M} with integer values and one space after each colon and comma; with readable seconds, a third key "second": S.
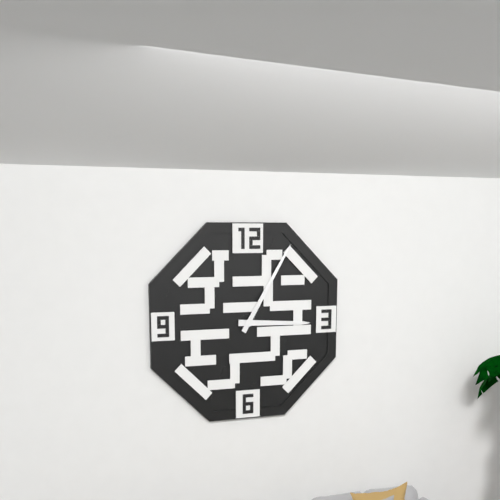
{"hour": 3, "minute": 5}
